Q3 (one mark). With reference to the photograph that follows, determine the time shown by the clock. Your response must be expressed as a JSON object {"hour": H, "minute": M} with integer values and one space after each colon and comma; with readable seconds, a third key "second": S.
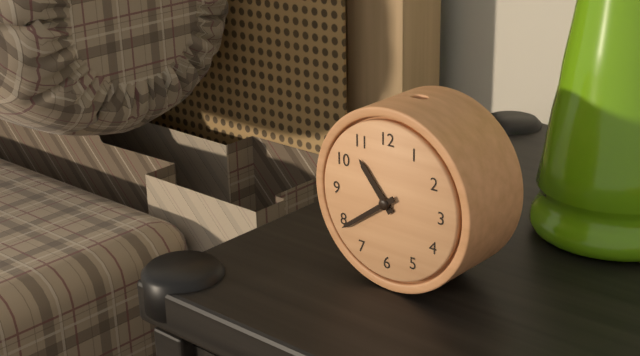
{"hour": 10, "minute": 39}
